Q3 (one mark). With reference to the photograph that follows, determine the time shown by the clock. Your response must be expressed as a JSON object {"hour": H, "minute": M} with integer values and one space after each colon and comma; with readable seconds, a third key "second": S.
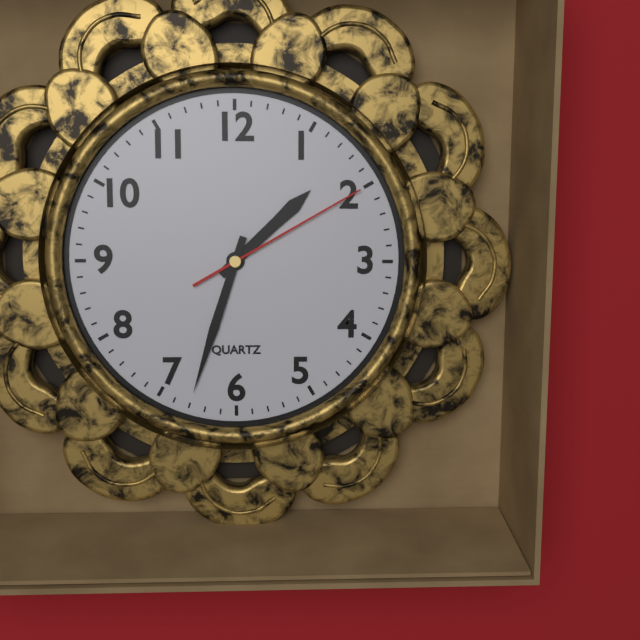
{"hour": 1, "minute": 33, "second": 10}
